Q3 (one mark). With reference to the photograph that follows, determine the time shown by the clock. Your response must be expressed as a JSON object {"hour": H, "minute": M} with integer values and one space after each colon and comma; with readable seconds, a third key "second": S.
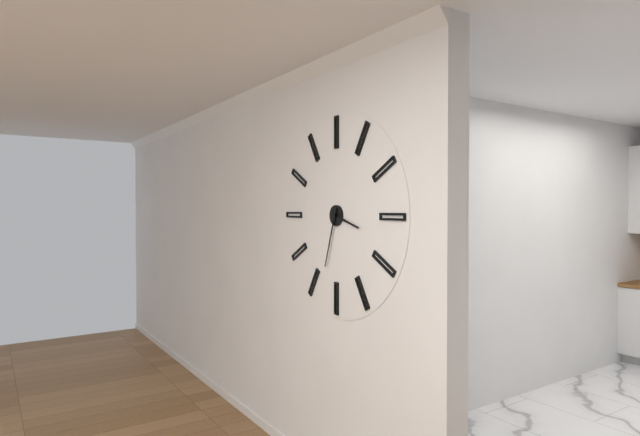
{"hour": 3, "minute": 33}
